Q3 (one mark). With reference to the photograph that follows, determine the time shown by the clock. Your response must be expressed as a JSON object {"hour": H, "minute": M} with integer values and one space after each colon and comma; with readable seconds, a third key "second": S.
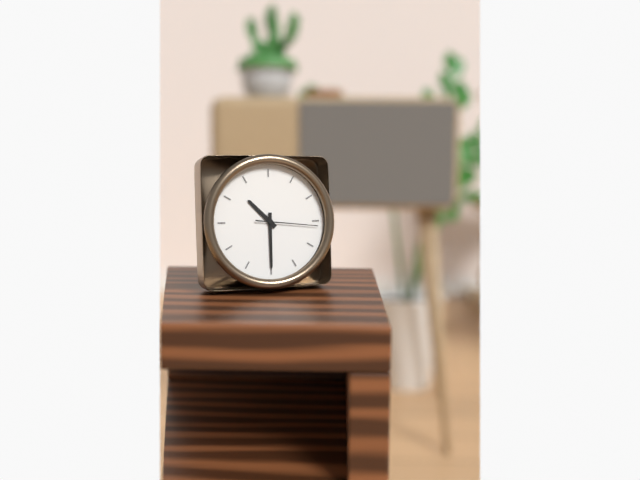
{"hour": 10, "minute": 30, "second": 16}
